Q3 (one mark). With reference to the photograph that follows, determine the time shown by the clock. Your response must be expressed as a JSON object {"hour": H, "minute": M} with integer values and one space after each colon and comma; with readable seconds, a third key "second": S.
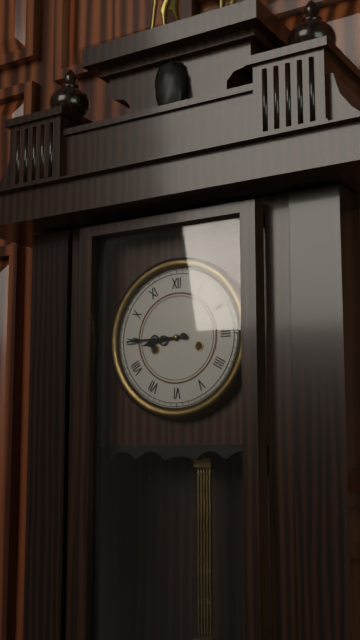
{"hour": 8, "minute": 45}
